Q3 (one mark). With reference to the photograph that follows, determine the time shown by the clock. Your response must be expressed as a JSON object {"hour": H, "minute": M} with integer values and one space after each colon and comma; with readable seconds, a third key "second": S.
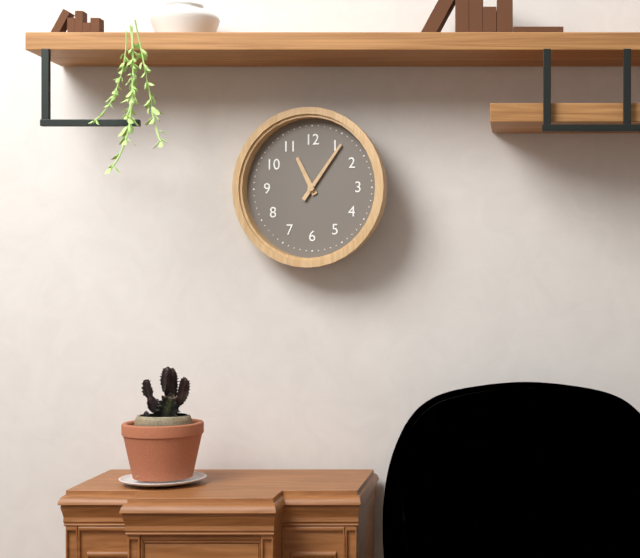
{"hour": 11, "minute": 6}
